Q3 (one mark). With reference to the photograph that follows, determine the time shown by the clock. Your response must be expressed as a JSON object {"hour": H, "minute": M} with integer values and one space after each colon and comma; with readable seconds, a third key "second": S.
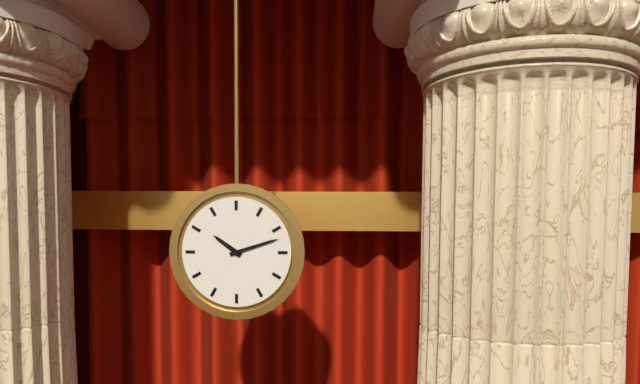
{"hour": 10, "minute": 12}
